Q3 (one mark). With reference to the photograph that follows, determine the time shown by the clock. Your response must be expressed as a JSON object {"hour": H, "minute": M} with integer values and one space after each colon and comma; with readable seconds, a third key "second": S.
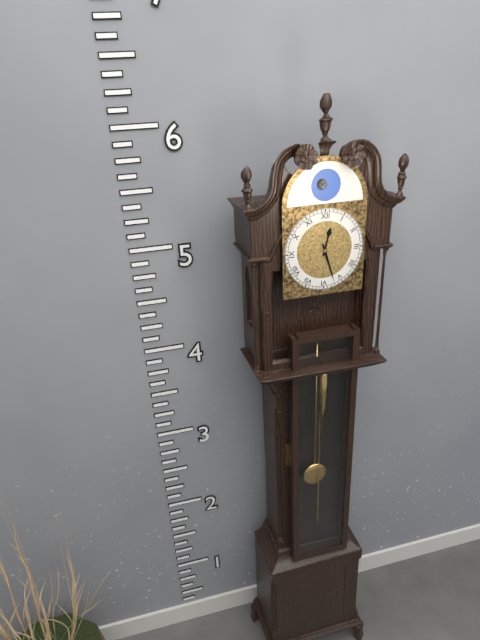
{"hour": 12, "minute": 27}
